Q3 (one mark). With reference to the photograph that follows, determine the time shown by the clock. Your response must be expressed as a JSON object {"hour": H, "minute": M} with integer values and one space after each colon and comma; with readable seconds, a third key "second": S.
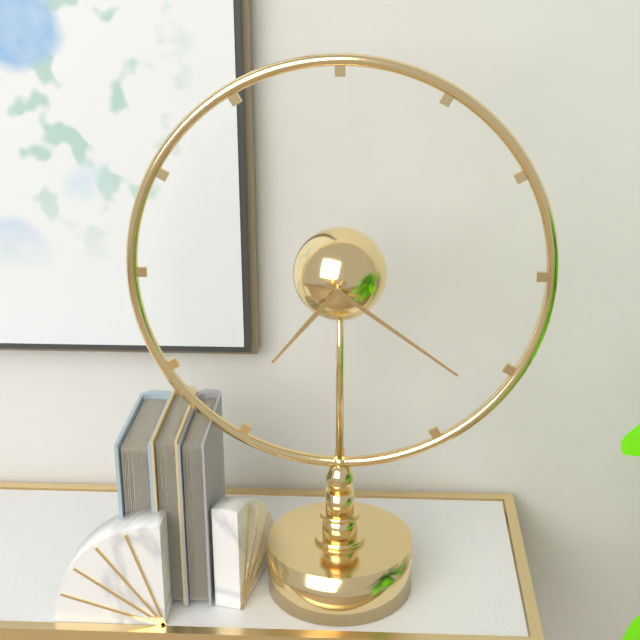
{"hour": 7, "minute": 21}
